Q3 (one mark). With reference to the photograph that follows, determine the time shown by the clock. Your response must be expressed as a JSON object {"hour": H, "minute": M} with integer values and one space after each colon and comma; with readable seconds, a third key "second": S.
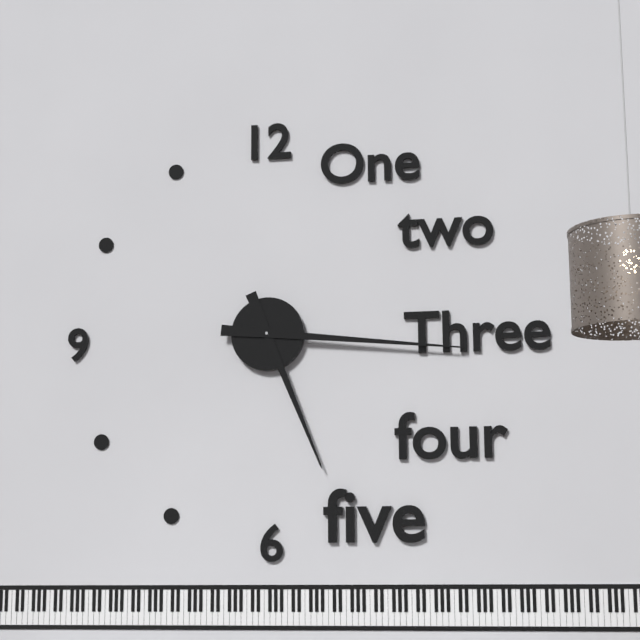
{"hour": 5, "minute": 16}
